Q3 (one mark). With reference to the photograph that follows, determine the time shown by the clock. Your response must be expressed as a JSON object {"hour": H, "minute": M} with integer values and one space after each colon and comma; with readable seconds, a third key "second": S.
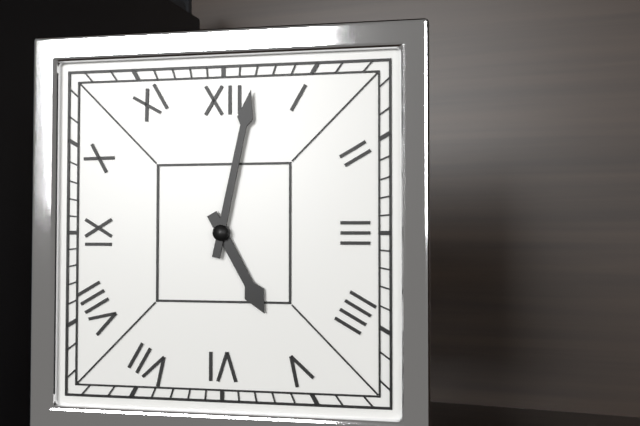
{"hour": 5, "minute": 2}
